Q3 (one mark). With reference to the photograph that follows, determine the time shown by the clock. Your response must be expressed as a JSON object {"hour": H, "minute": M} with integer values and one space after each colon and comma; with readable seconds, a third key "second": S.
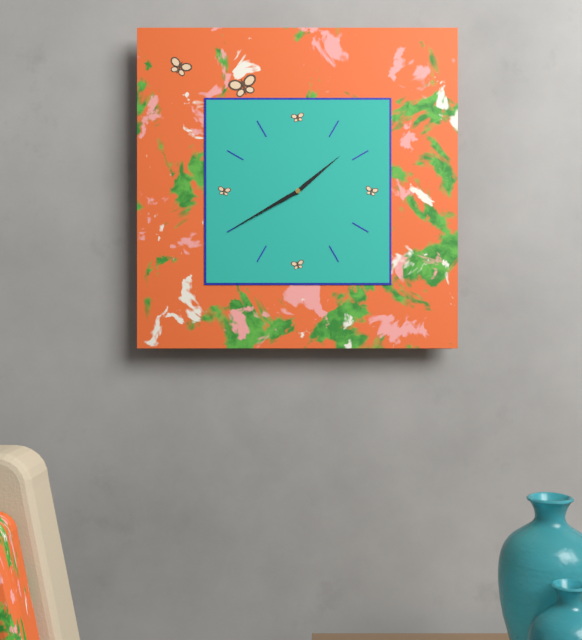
{"hour": 1, "minute": 40}
